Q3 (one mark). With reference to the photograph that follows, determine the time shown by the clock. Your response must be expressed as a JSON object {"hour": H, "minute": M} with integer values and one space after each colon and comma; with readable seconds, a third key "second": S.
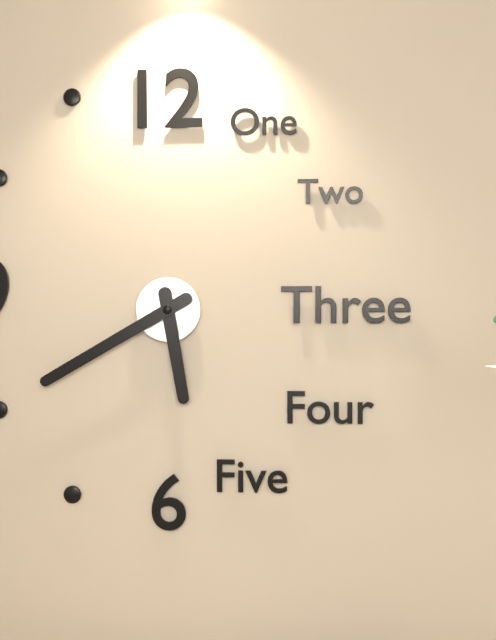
{"hour": 5, "minute": 40}
